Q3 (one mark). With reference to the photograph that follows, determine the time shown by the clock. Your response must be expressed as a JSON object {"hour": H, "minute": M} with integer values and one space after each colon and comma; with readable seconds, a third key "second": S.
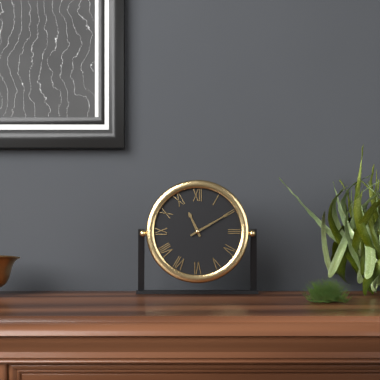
{"hour": 11, "minute": 10}
